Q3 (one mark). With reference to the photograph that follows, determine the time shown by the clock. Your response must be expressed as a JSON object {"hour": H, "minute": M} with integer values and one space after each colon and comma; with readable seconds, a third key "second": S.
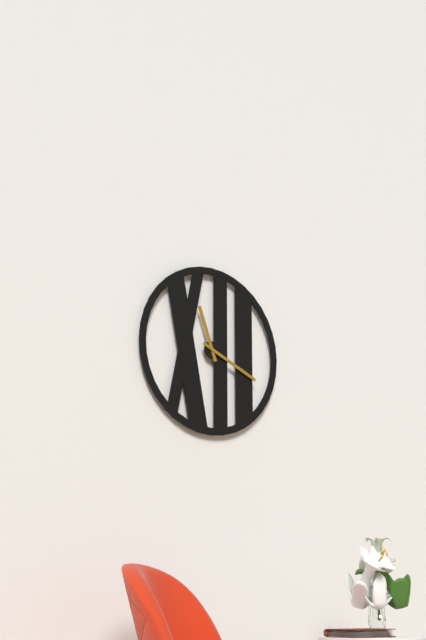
{"hour": 11, "minute": 19}
